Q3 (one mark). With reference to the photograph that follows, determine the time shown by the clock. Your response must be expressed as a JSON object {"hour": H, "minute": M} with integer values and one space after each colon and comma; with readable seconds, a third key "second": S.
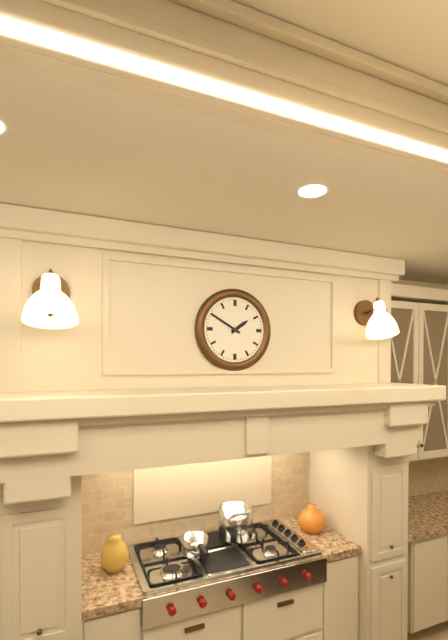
{"hour": 1, "minute": 50}
